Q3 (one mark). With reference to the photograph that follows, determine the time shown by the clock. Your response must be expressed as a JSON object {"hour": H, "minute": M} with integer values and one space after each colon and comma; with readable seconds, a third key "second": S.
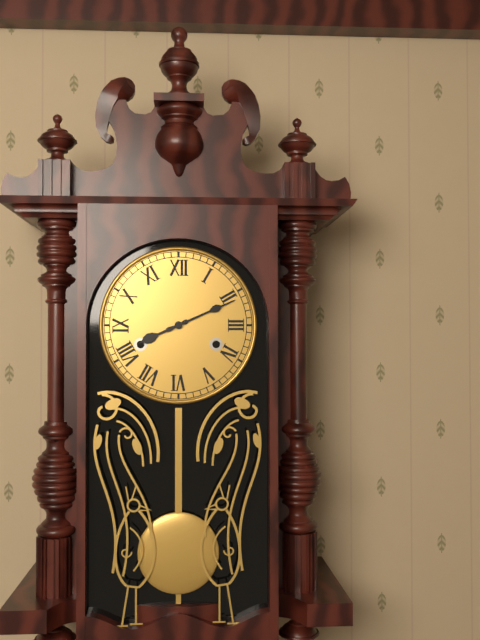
{"hour": 8, "minute": 11}
